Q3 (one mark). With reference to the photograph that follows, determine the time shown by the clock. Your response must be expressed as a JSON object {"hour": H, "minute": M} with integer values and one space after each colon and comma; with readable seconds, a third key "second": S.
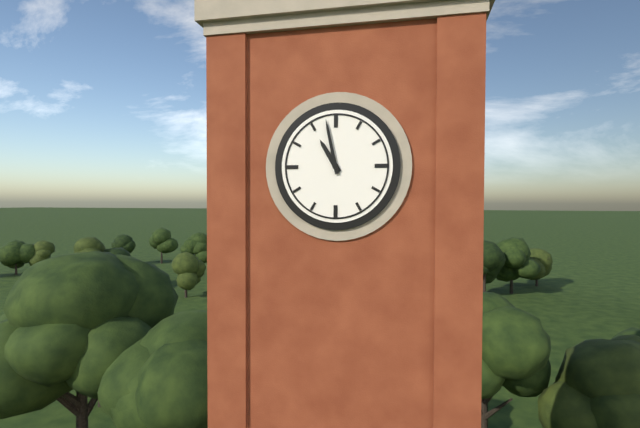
{"hour": 10, "minute": 58}
